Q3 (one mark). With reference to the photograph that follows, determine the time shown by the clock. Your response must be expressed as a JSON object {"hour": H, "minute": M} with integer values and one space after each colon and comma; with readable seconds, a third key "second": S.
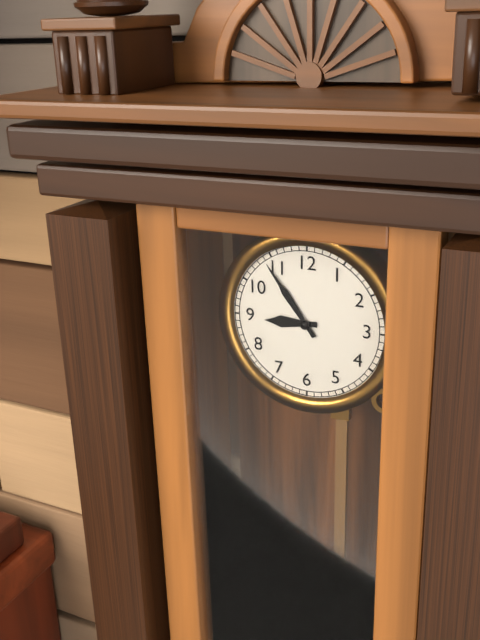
{"hour": 8, "minute": 54}
